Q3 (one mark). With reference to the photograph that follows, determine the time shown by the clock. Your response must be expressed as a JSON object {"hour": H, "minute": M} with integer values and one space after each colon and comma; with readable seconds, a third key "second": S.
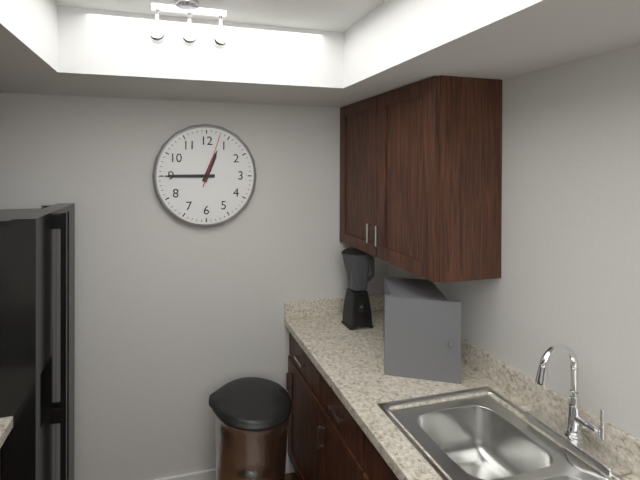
{"hour": 12, "minute": 45, "second": 3}
